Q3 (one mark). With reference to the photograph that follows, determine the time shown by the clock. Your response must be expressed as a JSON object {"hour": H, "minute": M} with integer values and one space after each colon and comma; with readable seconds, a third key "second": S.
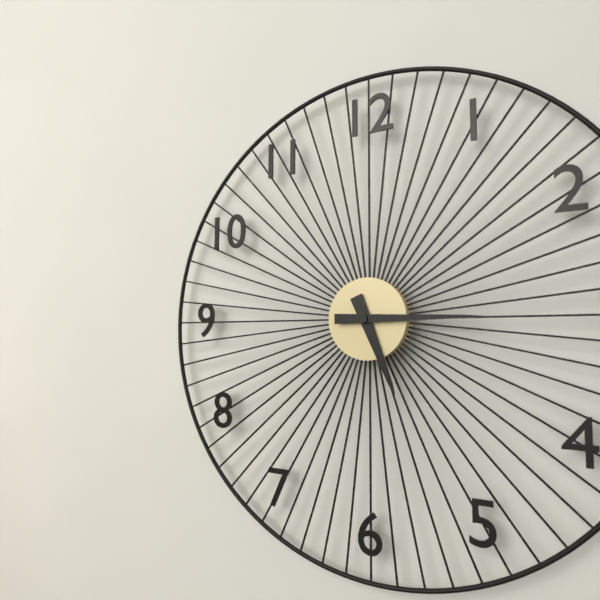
{"hour": 5, "minute": 15}
